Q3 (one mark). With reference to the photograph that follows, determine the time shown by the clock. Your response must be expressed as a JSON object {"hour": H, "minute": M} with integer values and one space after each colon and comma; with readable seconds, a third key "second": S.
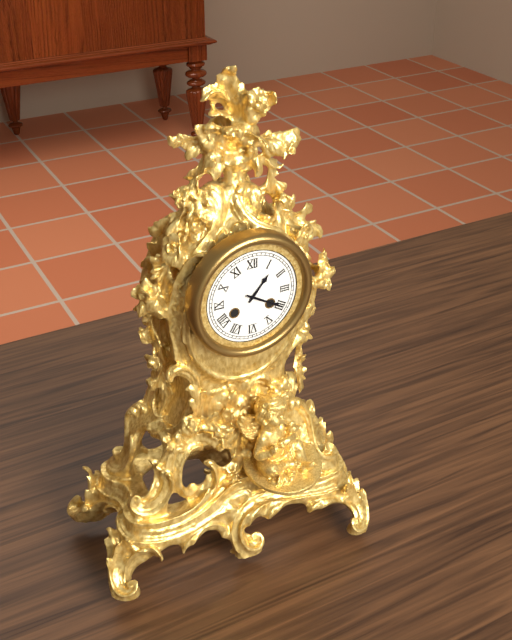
{"hour": 1, "minute": 20}
